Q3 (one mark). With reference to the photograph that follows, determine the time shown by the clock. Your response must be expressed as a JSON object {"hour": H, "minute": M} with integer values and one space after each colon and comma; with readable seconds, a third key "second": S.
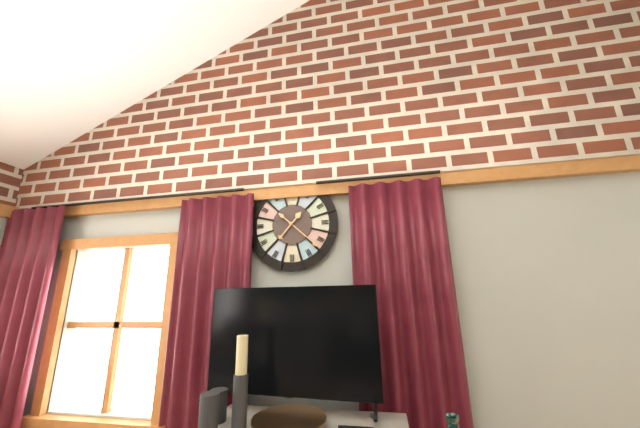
{"hour": 7, "minute": 22}
